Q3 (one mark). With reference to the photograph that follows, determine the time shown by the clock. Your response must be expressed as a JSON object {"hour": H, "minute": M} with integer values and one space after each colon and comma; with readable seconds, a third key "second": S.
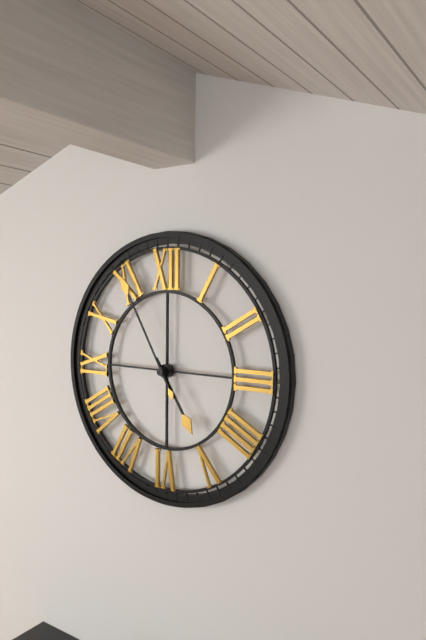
{"hour": 4, "minute": 55}
